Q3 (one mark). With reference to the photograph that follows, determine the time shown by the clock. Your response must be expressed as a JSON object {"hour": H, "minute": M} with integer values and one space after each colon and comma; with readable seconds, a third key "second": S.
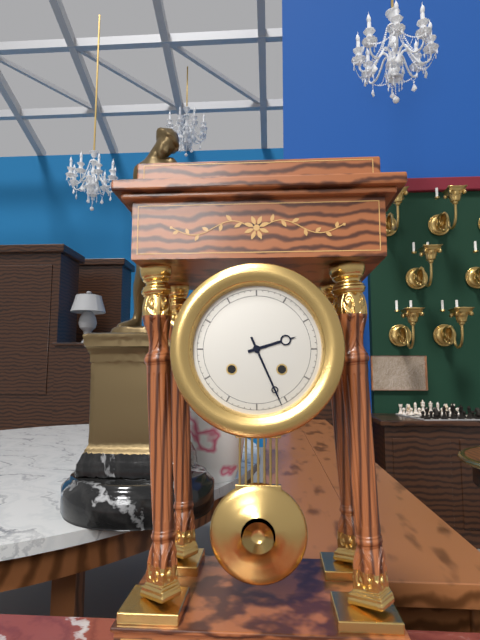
{"hour": 2, "minute": 26}
